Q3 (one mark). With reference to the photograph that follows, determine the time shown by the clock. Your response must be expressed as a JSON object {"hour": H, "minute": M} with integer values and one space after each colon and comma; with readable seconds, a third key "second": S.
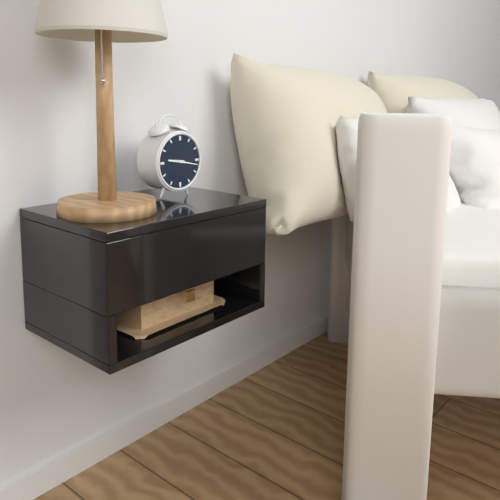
{"hour": 9, "minute": 17}
